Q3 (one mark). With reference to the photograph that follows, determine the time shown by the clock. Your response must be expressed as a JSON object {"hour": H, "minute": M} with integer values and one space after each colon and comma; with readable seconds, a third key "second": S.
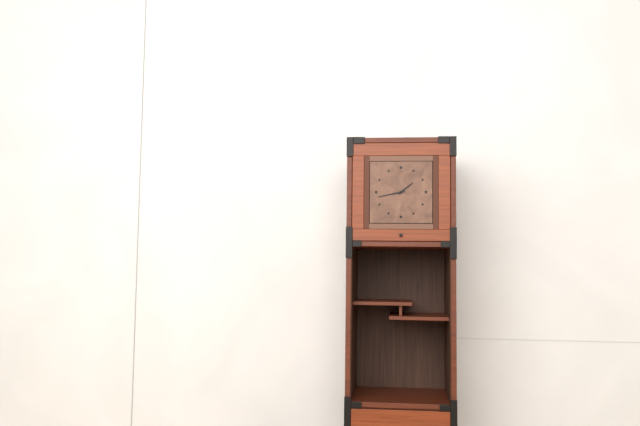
{"hour": 1, "minute": 43}
